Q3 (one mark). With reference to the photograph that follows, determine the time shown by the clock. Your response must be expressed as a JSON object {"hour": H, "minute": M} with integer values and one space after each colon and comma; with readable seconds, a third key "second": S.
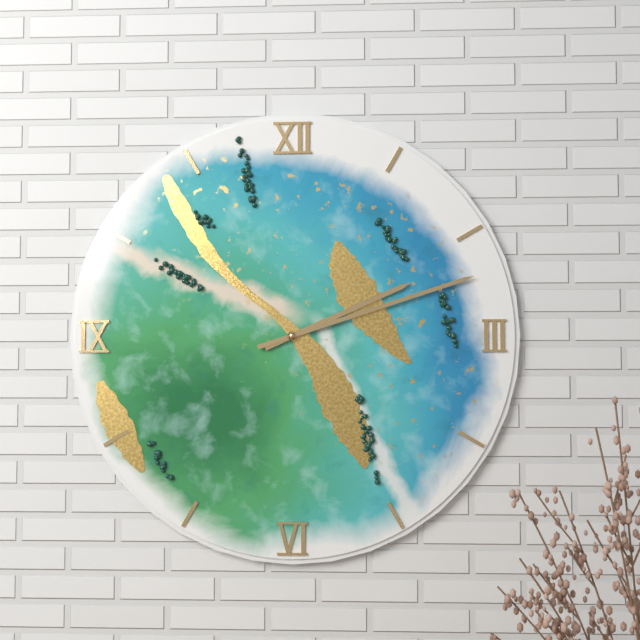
{"hour": 2, "minute": 12}
